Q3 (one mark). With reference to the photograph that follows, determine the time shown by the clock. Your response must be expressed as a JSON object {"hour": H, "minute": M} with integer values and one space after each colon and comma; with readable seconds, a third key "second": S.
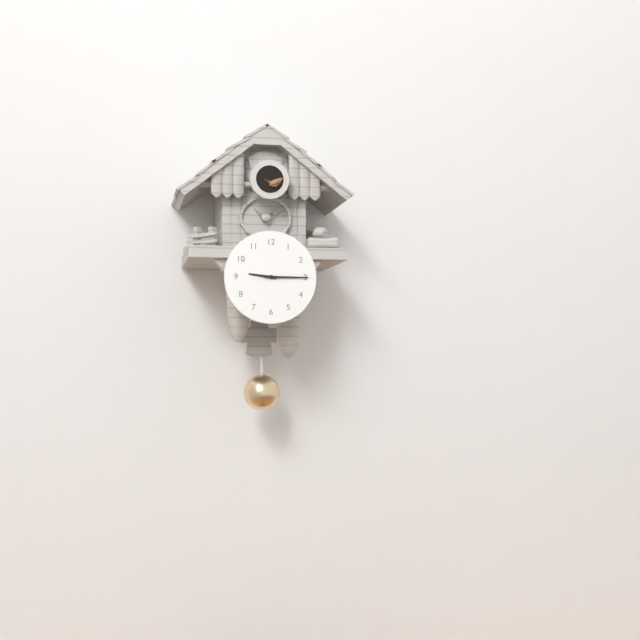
{"hour": 9, "minute": 15}
